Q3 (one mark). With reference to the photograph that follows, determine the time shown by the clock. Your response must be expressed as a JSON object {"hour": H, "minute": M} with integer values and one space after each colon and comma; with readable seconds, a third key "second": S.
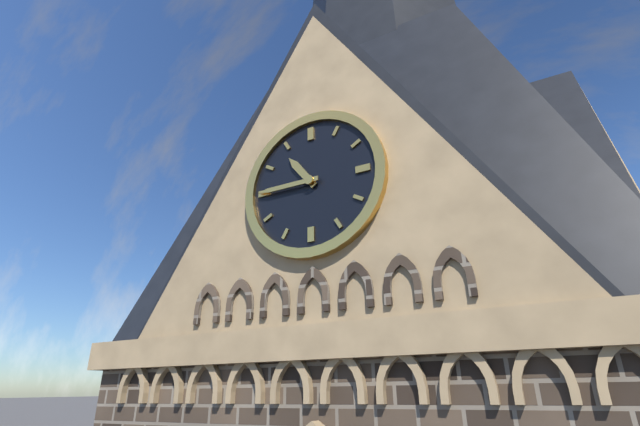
{"hour": 10, "minute": 45}
